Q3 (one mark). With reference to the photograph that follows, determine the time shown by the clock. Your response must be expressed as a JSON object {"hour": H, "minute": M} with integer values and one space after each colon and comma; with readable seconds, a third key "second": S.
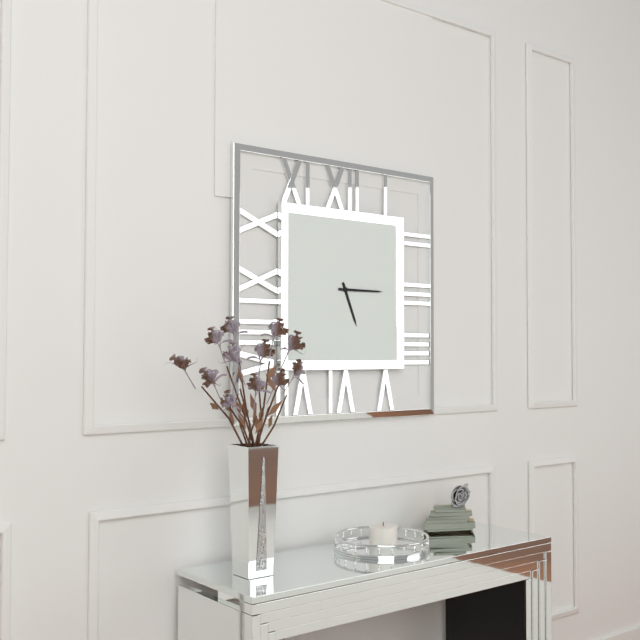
{"hour": 5, "minute": 15}
